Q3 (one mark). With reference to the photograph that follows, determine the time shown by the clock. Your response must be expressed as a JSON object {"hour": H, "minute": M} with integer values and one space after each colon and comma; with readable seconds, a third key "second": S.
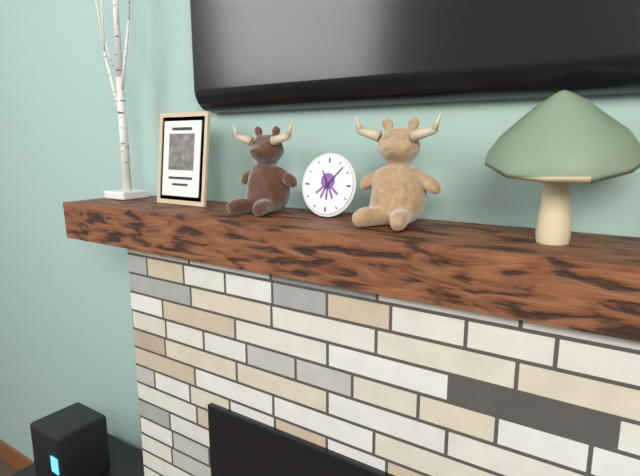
{"hour": 11, "minute": 7}
